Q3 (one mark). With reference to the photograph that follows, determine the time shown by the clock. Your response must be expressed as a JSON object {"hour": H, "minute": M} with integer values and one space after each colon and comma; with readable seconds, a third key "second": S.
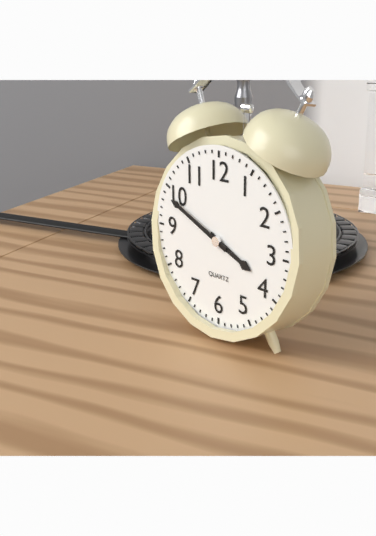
{"hour": 3, "minute": 49}
